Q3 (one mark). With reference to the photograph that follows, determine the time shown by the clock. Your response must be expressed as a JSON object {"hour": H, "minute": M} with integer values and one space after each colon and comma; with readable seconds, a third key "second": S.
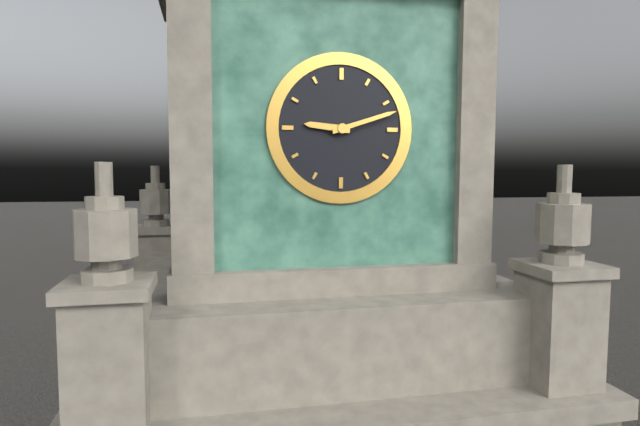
{"hour": 9, "minute": 12}
